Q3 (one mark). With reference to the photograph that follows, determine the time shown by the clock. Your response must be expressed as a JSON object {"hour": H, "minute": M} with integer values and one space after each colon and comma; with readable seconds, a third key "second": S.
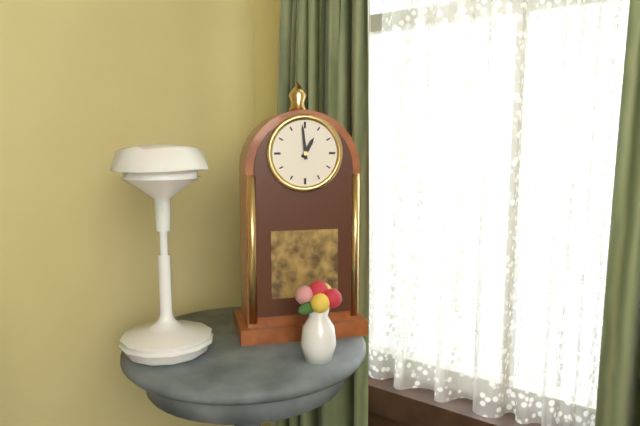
{"hour": 12, "minute": 59}
